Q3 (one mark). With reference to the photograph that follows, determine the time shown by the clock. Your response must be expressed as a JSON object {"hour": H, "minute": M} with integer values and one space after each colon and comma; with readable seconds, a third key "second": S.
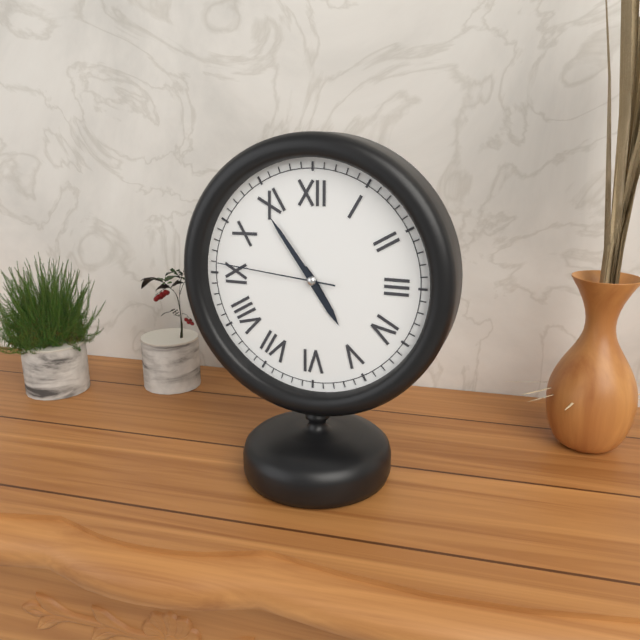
{"hour": 4, "minute": 54, "second": 46}
